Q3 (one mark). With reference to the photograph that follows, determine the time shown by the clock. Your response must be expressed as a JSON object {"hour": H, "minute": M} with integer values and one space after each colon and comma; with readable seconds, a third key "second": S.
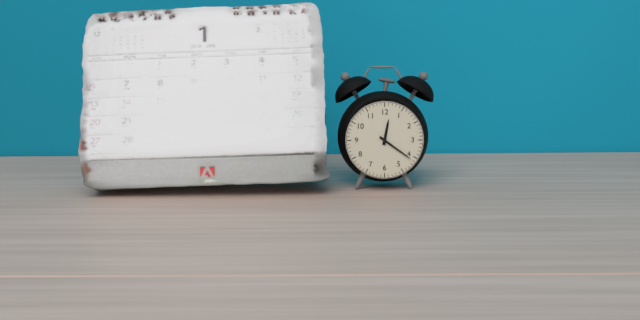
{"hour": 12, "minute": 21}
